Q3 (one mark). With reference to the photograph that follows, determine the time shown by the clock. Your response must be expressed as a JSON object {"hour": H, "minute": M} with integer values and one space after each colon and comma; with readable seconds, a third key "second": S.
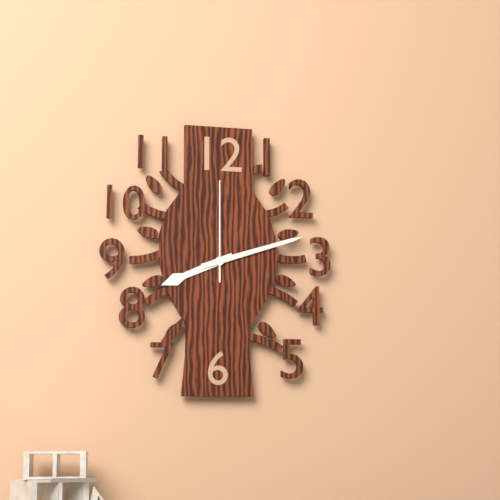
{"hour": 8, "minute": 12, "second": 0}
